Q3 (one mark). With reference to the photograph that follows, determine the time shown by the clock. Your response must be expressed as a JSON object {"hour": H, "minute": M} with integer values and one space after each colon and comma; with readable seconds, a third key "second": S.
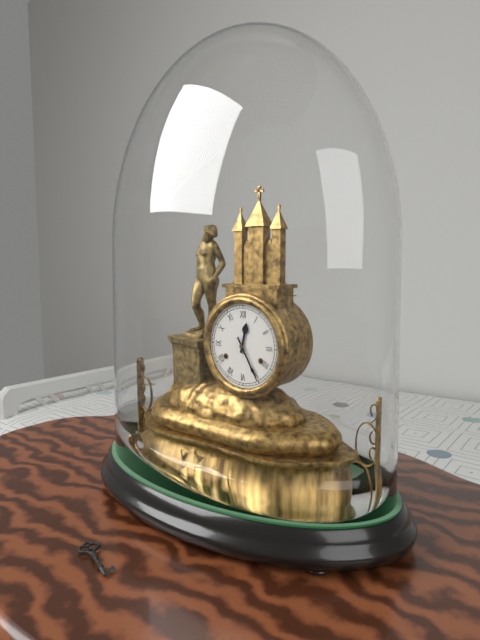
{"hour": 12, "minute": 25}
